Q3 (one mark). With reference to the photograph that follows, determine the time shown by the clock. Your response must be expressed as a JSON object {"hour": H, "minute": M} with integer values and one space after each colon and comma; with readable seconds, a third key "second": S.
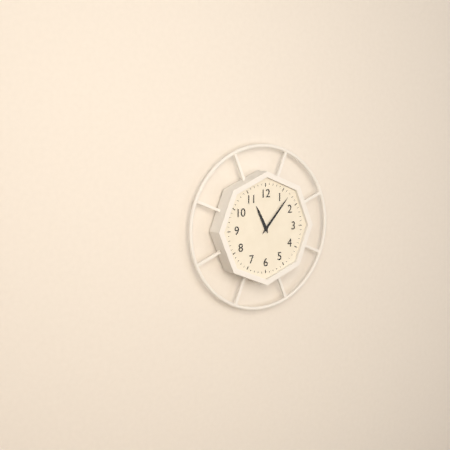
{"hour": 11, "minute": 7}
